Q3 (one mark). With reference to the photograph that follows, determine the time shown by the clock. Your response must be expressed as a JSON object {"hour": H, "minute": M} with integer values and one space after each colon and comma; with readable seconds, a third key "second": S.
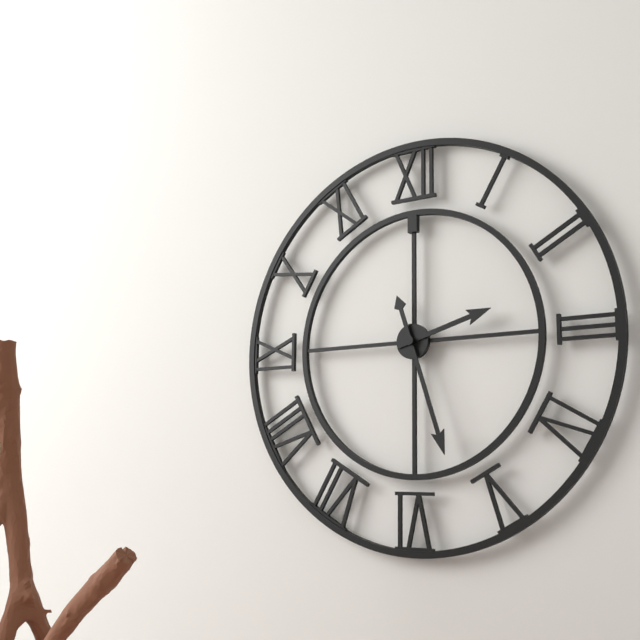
{"hour": 2, "minute": 27}
